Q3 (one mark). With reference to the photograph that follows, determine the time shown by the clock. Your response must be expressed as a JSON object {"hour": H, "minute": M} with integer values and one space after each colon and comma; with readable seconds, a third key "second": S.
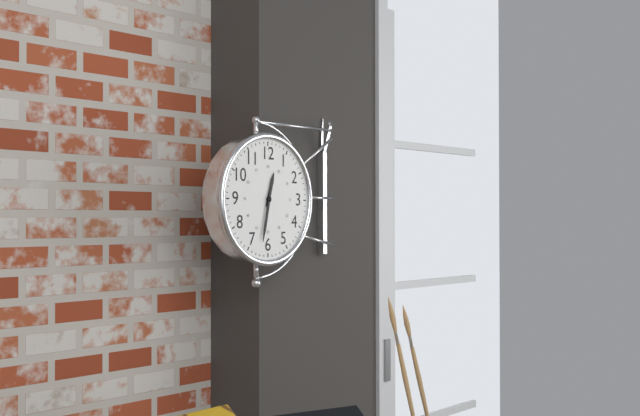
{"hour": 12, "minute": 32}
